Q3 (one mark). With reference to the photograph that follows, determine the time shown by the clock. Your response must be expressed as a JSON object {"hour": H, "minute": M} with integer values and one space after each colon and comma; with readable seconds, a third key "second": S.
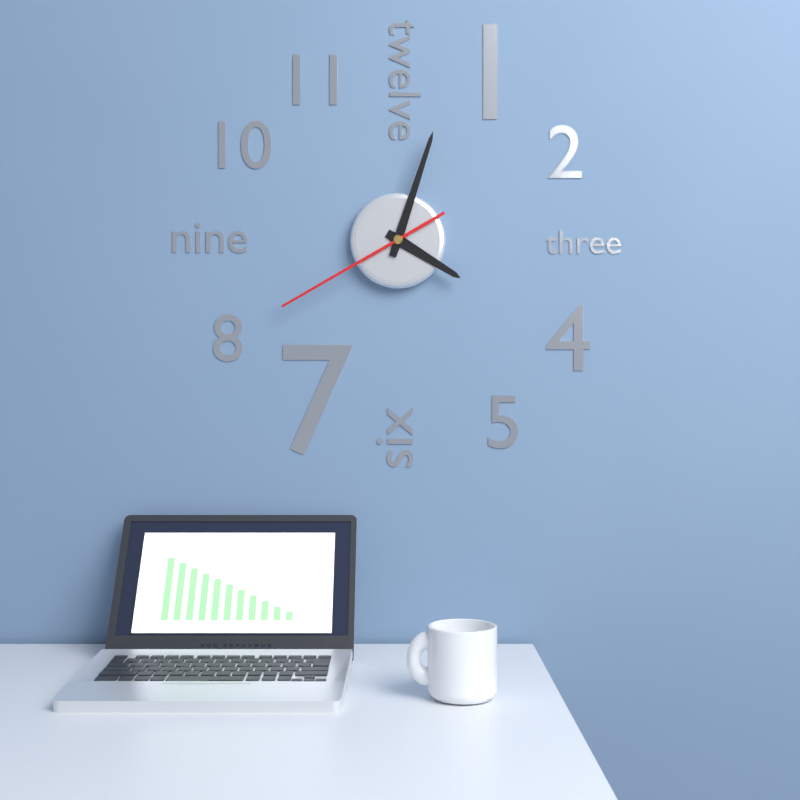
{"hour": 4, "minute": 3, "second": 40}
